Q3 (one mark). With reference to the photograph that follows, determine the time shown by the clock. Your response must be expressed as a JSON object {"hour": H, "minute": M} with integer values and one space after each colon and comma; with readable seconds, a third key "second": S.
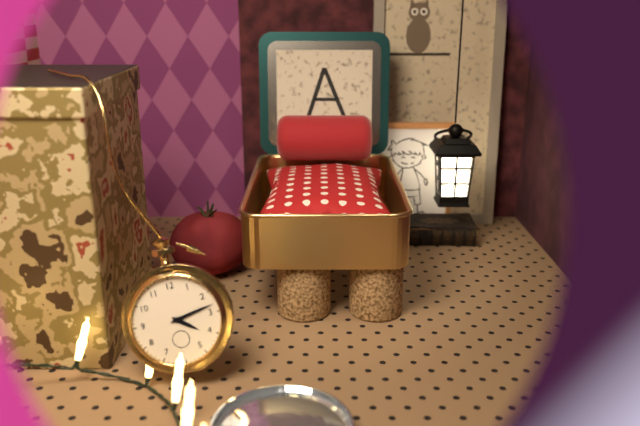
{"hour": 4, "minute": 13}
